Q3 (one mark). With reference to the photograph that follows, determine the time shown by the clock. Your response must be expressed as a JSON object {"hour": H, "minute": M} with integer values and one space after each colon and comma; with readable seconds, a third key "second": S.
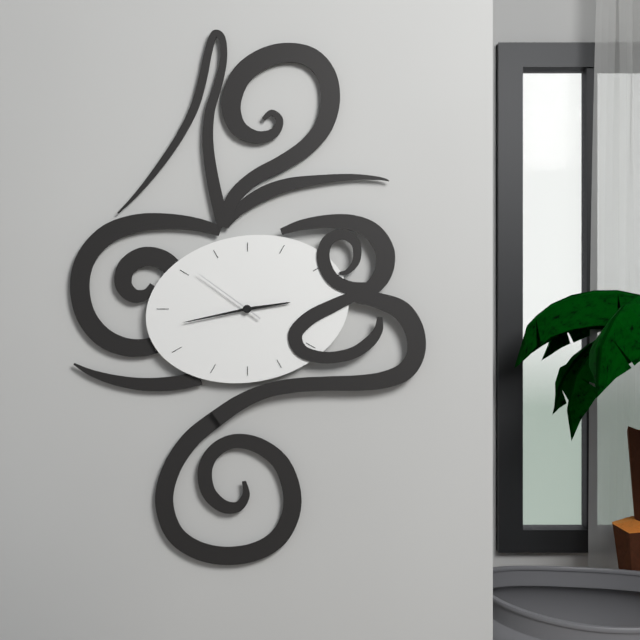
{"hour": 2, "minute": 43, "second": 51}
